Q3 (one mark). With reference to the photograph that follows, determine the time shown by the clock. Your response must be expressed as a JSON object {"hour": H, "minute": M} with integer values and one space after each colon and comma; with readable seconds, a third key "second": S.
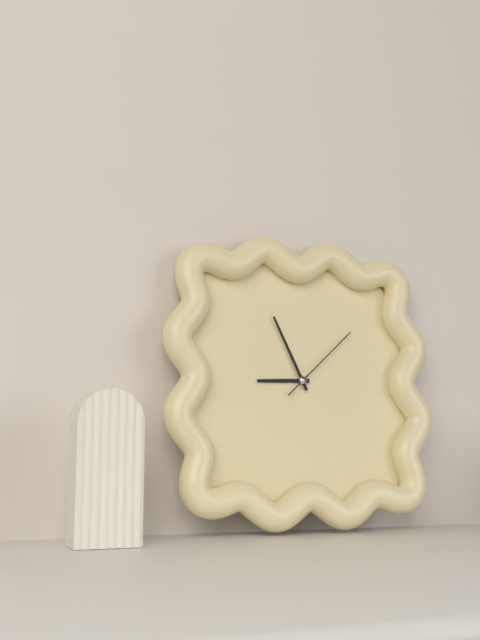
{"hour": 8, "minute": 56, "second": 8}
